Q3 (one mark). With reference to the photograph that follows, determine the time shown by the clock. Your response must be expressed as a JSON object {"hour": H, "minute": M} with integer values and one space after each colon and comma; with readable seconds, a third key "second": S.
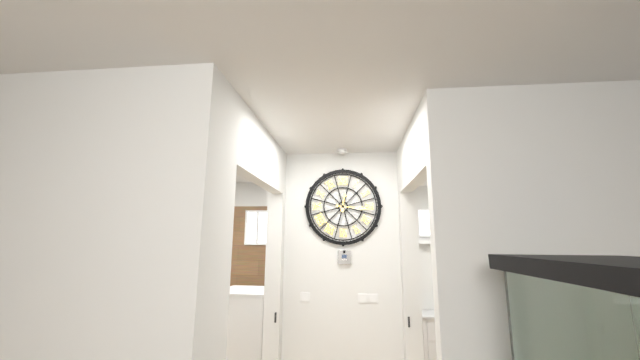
{"hour": 12, "minute": 16}
